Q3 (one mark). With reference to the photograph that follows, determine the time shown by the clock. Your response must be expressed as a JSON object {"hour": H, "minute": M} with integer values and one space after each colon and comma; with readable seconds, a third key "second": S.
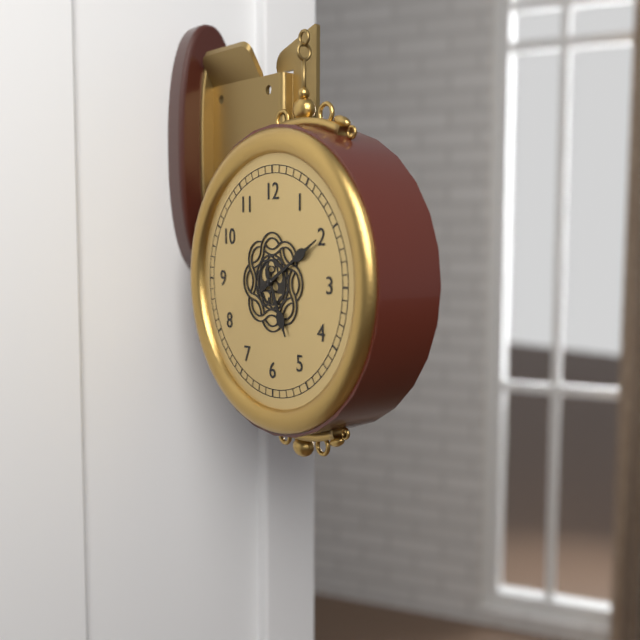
{"hour": 5, "minute": 10}
